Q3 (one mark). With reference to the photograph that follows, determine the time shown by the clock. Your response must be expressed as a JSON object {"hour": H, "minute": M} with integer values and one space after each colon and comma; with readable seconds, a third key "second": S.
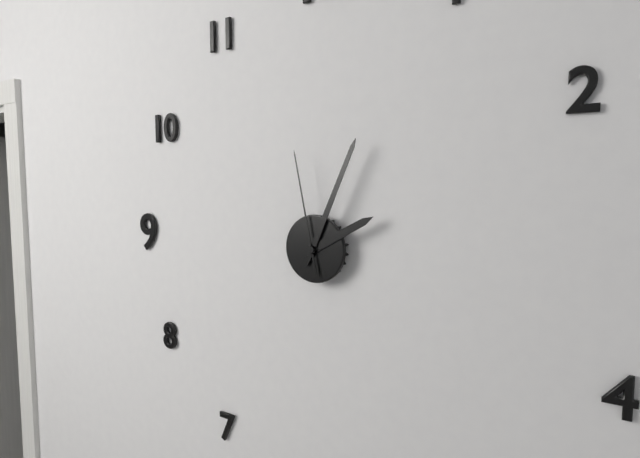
{"hour": 2, "minute": 4, "second": 58}
